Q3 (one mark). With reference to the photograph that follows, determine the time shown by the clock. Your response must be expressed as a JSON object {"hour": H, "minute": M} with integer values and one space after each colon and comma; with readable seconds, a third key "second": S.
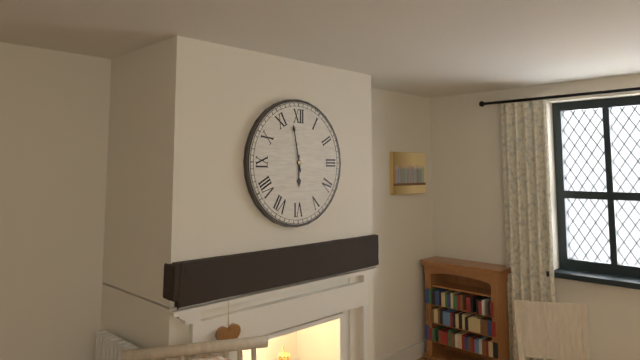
{"hour": 5, "minute": 58}
